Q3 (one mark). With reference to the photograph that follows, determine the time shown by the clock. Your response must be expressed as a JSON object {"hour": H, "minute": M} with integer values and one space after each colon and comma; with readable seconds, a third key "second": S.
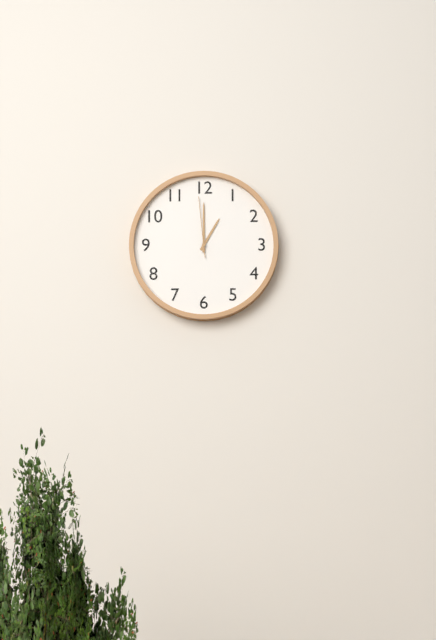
{"hour": 1, "minute": 0, "second": 59}
